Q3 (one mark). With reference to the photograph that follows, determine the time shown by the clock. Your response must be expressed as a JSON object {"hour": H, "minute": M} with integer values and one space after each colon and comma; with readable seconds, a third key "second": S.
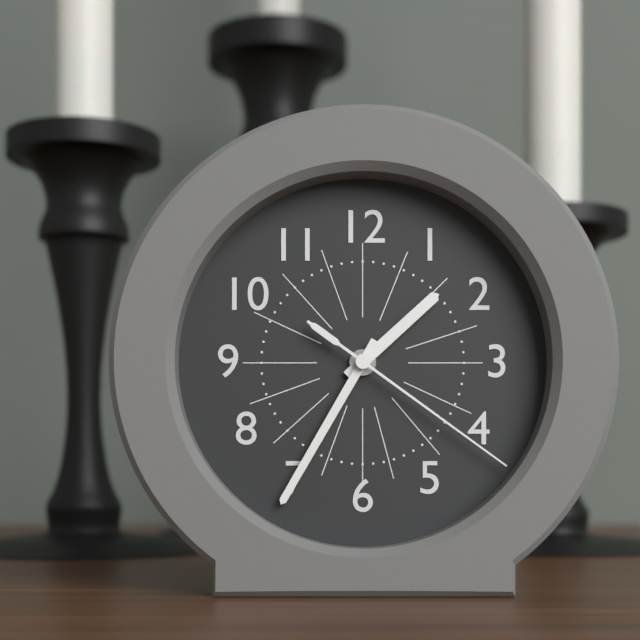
{"hour": 1, "minute": 35, "second": 21}
